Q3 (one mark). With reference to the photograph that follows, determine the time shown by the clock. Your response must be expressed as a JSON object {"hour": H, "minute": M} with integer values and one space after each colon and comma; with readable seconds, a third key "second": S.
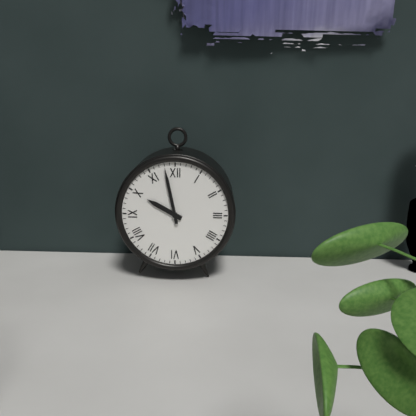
{"hour": 9, "minute": 58}
